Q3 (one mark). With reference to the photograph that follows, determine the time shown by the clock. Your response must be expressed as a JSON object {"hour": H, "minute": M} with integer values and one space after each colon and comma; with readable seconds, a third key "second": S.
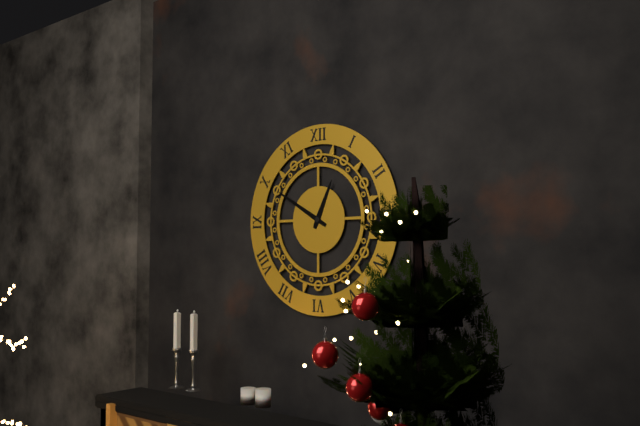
{"hour": 12, "minute": 50}
